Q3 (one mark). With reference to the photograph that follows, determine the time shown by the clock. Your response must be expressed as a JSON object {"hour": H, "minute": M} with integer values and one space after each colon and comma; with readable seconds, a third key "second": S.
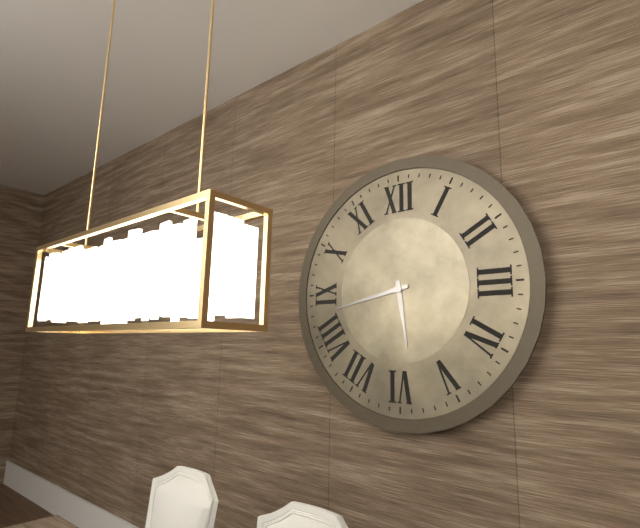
{"hour": 5, "minute": 43}
